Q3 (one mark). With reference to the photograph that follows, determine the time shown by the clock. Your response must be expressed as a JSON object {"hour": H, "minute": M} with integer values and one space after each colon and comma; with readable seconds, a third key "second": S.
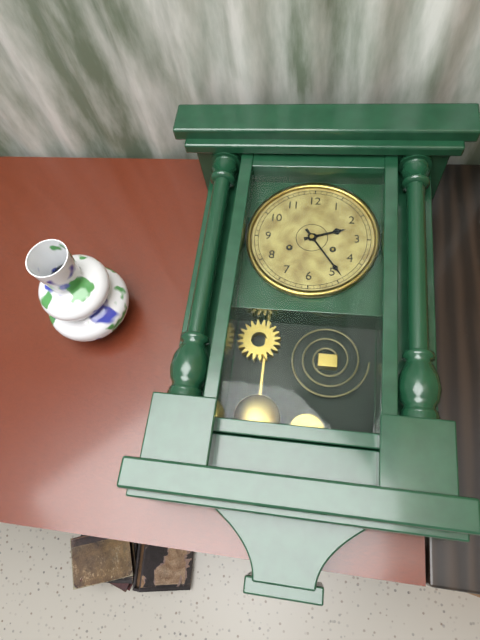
{"hour": 2, "minute": 24}
